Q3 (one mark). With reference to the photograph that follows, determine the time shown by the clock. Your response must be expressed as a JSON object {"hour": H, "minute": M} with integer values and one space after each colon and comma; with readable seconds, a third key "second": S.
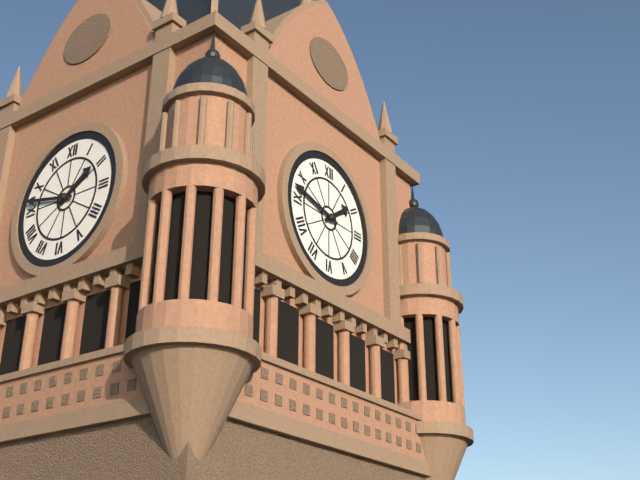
{"hour": 1, "minute": 47}
